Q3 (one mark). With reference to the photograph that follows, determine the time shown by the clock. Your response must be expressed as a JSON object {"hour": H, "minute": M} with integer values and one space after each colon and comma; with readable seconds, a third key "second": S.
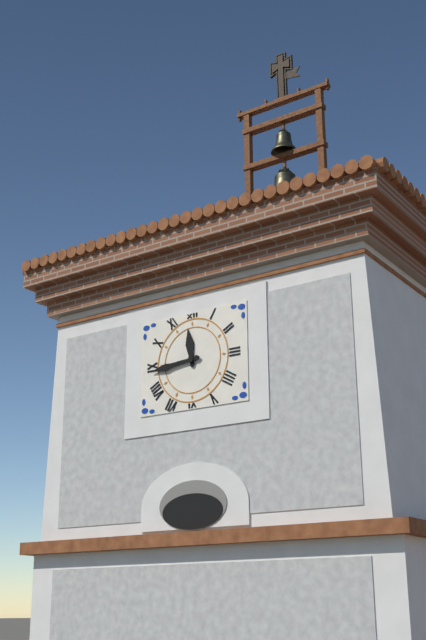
{"hour": 11, "minute": 44}
